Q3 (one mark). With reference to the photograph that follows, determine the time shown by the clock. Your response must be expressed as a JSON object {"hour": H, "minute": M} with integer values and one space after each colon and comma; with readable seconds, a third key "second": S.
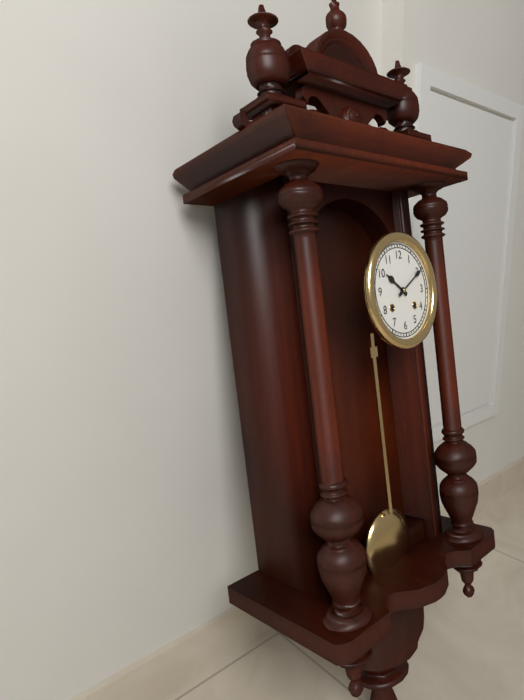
{"hour": 10, "minute": 10}
